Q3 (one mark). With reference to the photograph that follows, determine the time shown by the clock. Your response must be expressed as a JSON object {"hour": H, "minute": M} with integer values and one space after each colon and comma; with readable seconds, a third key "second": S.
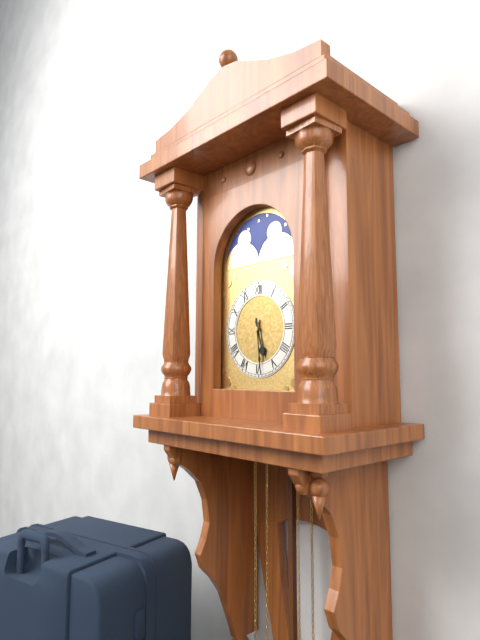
{"hour": 5, "minute": 29}
